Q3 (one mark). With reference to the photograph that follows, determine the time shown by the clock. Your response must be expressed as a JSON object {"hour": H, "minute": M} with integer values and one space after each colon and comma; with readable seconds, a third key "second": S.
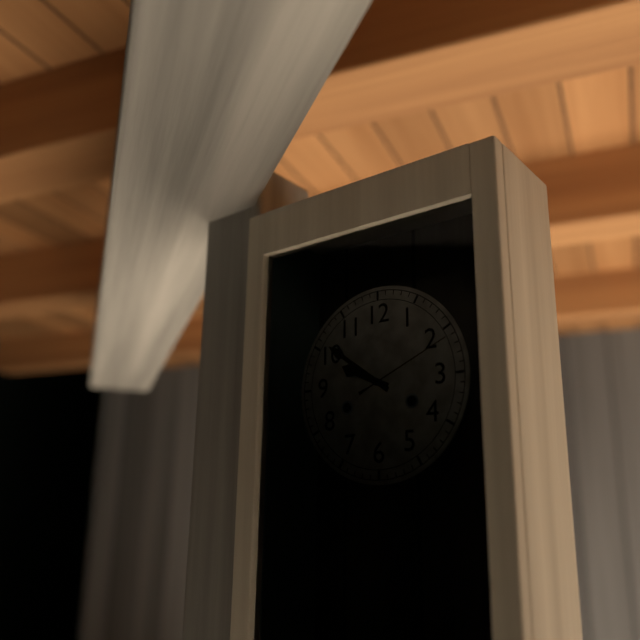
{"hour": 9, "minute": 51, "second": 11}
